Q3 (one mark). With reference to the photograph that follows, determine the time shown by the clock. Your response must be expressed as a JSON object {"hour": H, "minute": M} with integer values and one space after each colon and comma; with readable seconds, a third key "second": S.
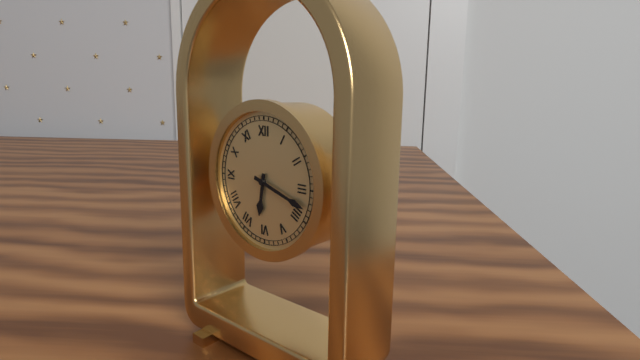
{"hour": 6, "minute": 18}
